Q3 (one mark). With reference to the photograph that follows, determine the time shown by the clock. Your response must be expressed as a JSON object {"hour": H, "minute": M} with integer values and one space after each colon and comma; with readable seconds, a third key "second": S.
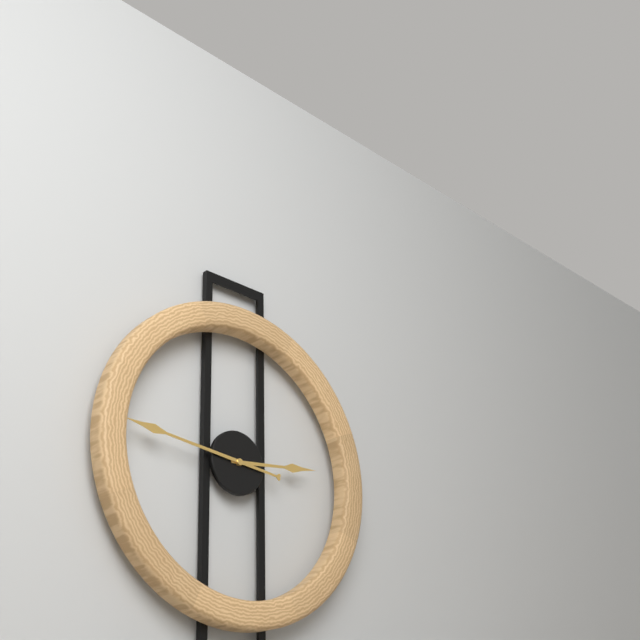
{"hour": 2, "minute": 46}
